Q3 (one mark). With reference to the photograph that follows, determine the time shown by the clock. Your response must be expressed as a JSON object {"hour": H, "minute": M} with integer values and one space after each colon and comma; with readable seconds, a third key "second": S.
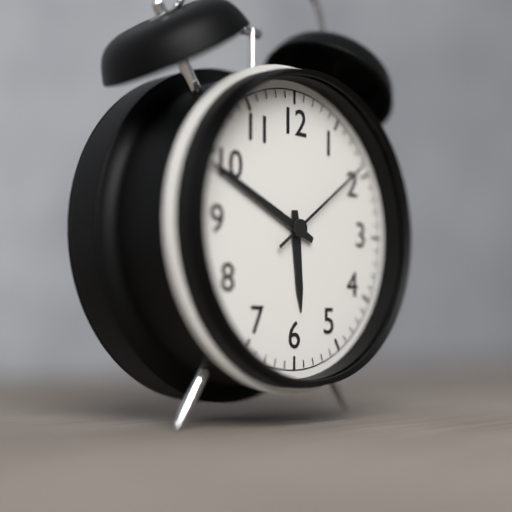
{"hour": 5, "minute": 49, "second": 9}
